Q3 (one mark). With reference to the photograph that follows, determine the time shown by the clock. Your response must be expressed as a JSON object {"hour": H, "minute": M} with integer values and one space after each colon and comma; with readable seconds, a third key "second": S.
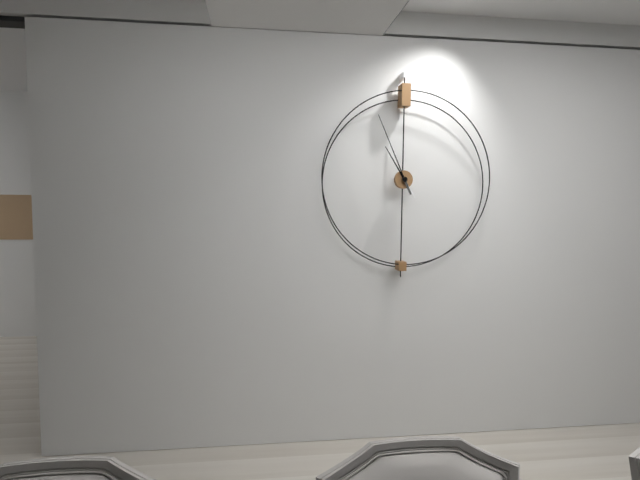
{"hour": 10, "minute": 56}
